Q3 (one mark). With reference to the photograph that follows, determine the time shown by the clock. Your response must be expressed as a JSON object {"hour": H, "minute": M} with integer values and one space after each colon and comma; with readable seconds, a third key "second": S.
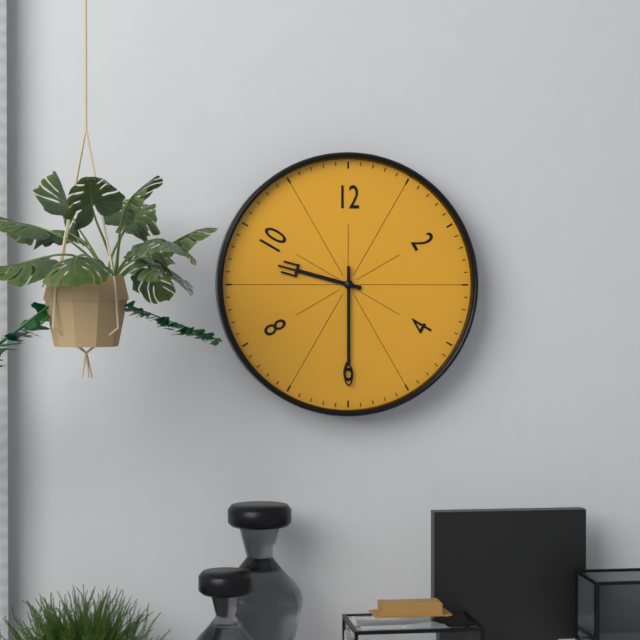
{"hour": 9, "minute": 30}
